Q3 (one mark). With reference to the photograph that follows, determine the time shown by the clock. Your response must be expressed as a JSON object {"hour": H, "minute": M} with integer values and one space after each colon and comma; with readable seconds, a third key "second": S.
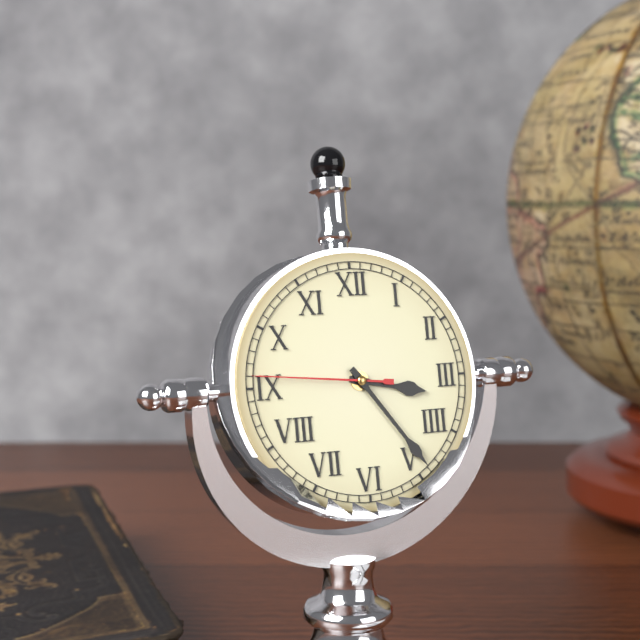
{"hour": 3, "minute": 24, "second": 46}
